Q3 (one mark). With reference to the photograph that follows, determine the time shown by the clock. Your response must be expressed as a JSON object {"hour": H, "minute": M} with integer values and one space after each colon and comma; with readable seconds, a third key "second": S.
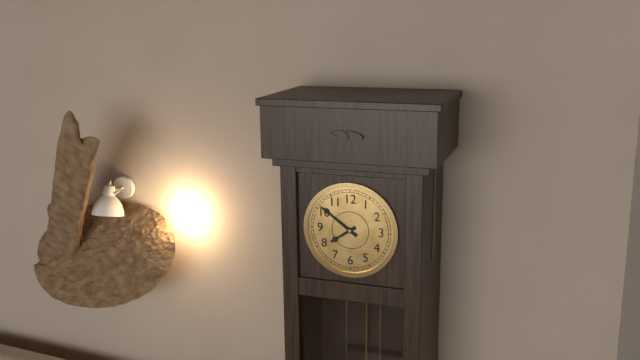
{"hour": 7, "minute": 51}
